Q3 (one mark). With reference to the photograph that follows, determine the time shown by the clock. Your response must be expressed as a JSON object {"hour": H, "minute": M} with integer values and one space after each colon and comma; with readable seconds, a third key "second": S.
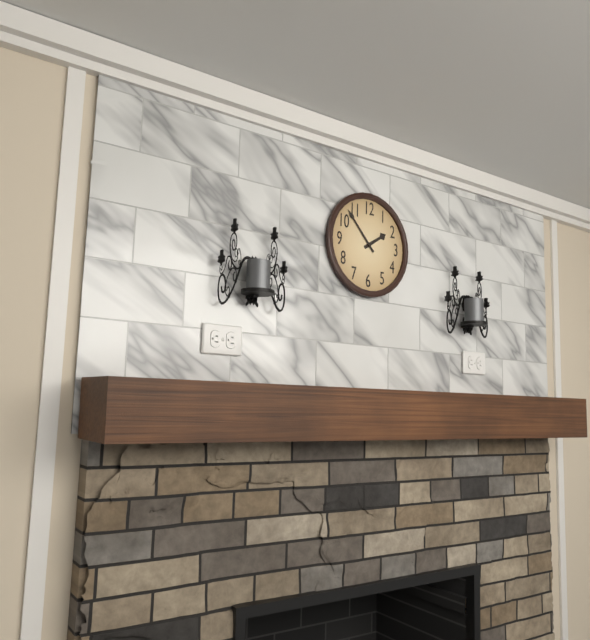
{"hour": 1, "minute": 53}
